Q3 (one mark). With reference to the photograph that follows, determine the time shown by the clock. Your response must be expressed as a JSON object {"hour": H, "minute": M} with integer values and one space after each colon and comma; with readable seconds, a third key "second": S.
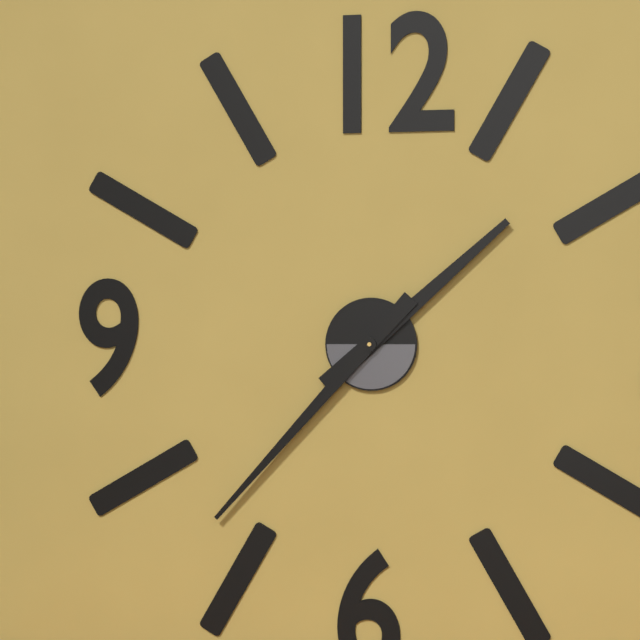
{"hour": 1, "minute": 37}
